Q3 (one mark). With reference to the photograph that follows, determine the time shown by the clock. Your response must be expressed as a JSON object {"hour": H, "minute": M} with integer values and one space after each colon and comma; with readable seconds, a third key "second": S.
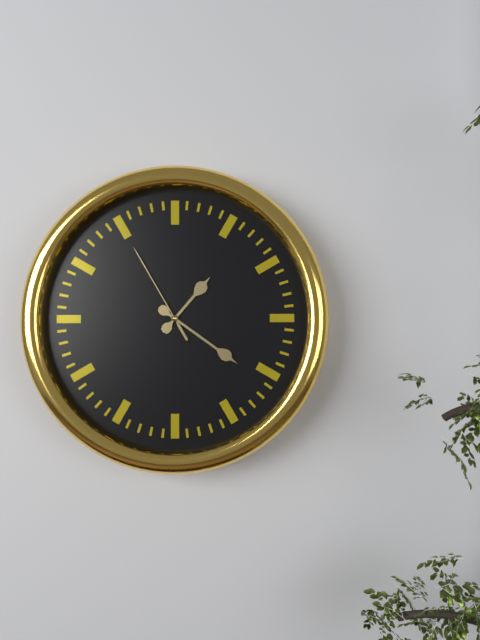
{"hour": 1, "minute": 21, "second": 55}
